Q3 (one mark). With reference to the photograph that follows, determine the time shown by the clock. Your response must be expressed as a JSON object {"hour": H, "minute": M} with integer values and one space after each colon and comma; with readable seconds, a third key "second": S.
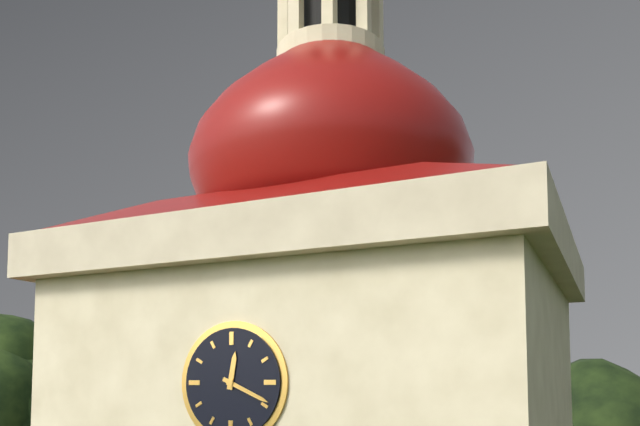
{"hour": 12, "minute": 19}
